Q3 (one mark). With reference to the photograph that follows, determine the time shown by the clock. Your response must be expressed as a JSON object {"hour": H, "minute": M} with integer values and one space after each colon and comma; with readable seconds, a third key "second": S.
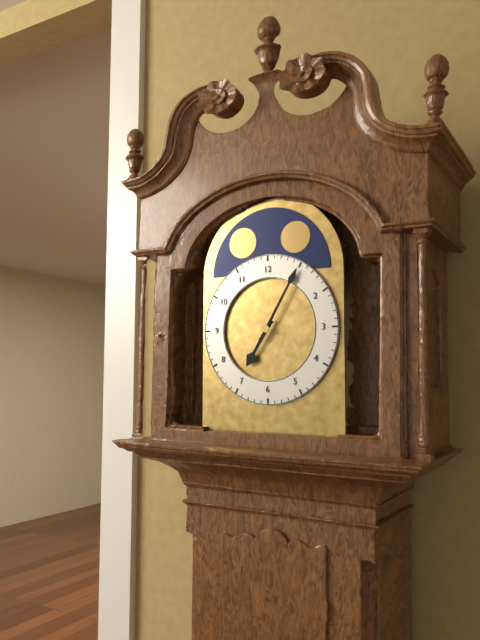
{"hour": 7, "minute": 5}
